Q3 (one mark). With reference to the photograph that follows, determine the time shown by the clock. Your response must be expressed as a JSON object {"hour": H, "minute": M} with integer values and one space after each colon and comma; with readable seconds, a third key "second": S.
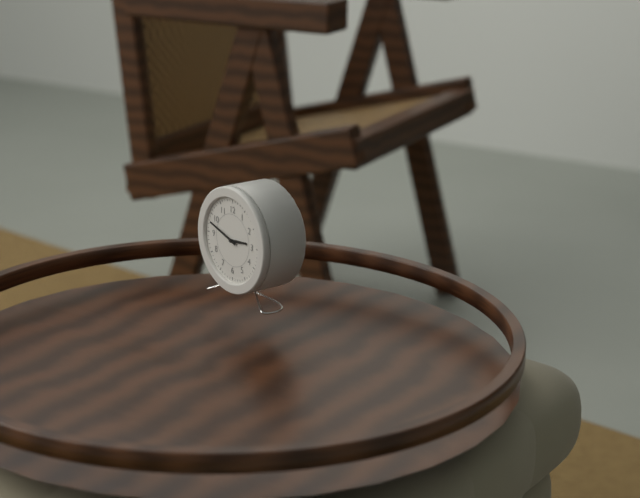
{"hour": 2, "minute": 48}
